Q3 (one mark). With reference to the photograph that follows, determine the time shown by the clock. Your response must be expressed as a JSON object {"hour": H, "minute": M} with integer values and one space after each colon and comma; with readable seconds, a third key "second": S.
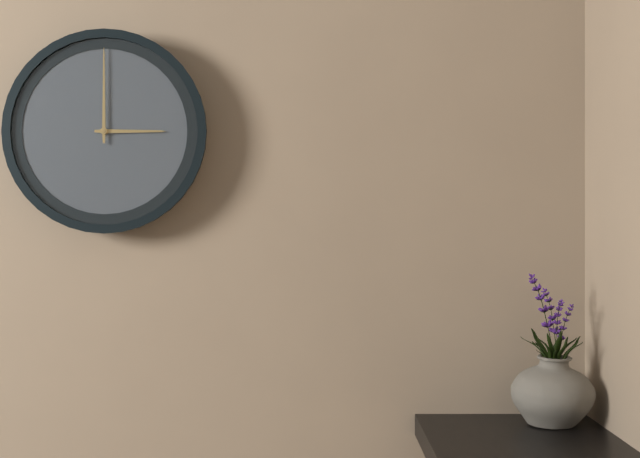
{"hour": 3, "minute": 0}
